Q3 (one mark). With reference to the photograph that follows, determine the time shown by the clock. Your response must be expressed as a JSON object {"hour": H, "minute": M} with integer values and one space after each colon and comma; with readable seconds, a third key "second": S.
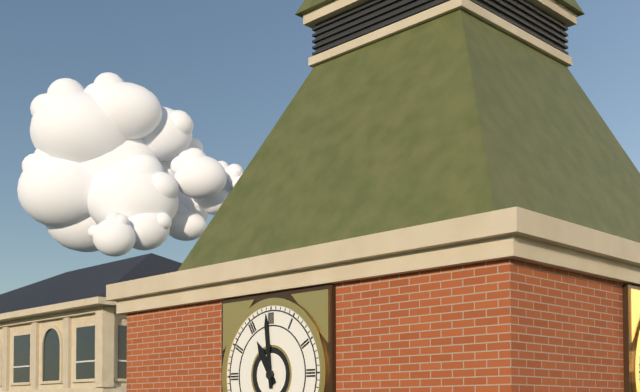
{"hour": 10, "minute": 59}
